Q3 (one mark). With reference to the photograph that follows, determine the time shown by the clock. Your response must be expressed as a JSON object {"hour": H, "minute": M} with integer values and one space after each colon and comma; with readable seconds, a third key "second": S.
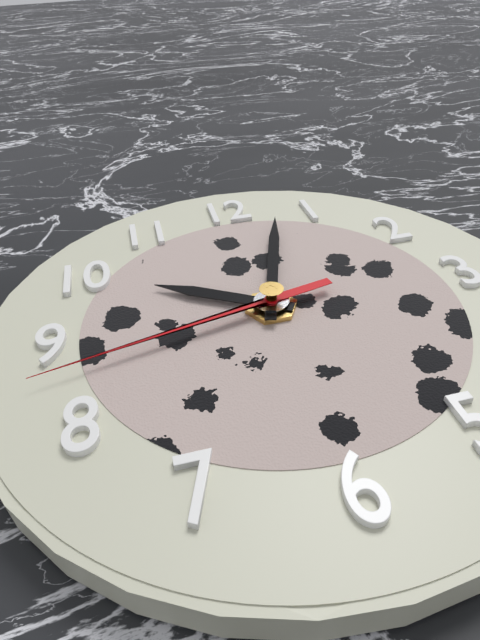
{"hour": 10, "minute": 3, "second": 43}
